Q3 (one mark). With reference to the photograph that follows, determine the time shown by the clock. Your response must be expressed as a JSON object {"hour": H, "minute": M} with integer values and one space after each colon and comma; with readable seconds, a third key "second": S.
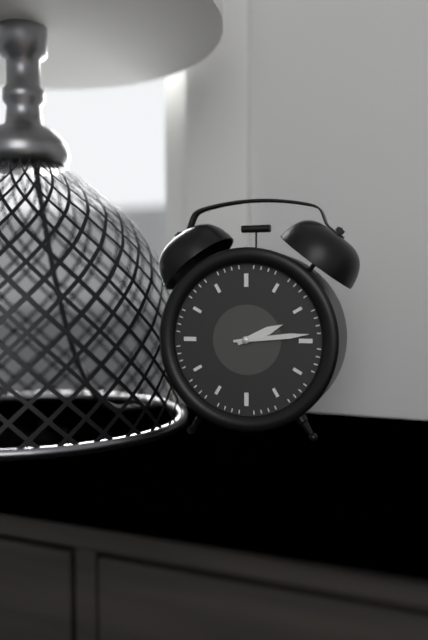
{"hour": 2, "minute": 14}
